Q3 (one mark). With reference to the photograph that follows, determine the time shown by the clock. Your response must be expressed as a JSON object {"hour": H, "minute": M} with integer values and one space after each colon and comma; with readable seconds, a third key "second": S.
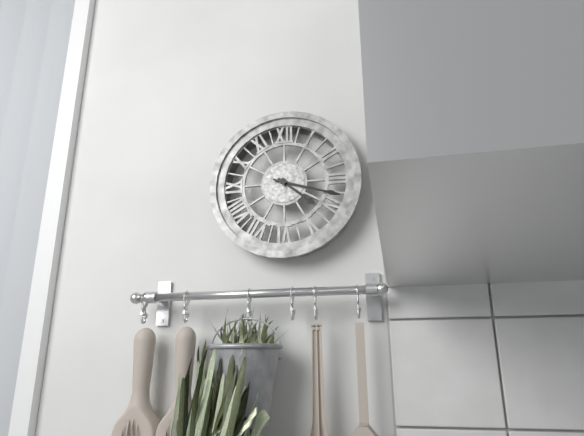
{"hour": 4, "minute": 18}
